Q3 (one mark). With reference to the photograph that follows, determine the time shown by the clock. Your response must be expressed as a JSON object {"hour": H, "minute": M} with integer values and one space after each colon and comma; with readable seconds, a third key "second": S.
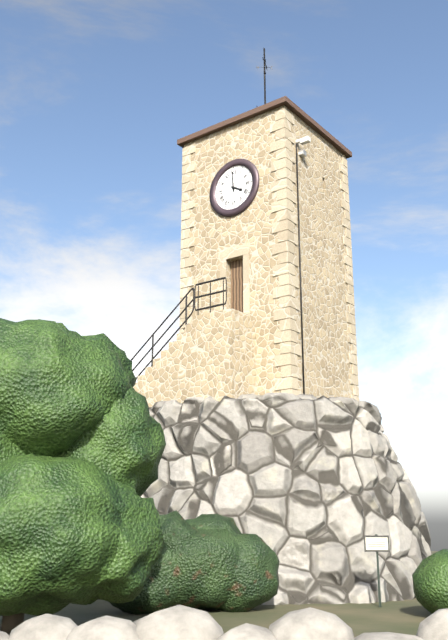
{"hour": 3, "minute": 59}
